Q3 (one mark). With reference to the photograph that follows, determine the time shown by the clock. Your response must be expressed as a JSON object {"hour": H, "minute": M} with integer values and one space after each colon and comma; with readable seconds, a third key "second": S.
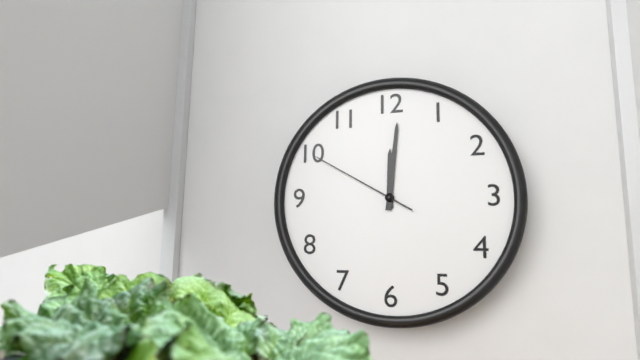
{"hour": 12, "minute": 1, "second": 50}
